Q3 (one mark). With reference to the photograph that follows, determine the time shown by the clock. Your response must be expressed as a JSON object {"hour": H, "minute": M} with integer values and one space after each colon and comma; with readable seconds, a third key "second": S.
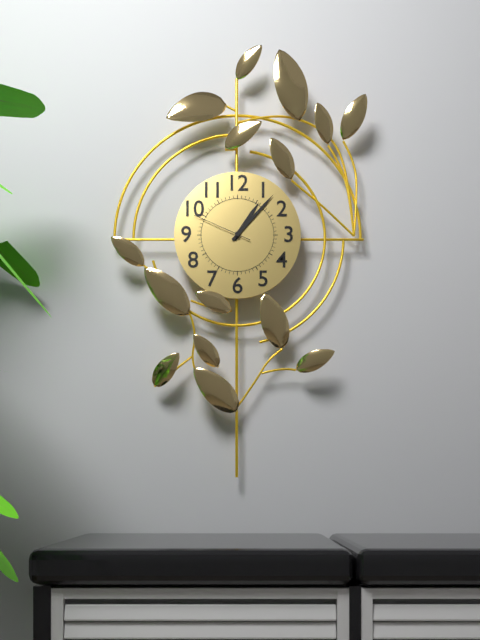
{"hour": 1, "minute": 7, "second": 49}
